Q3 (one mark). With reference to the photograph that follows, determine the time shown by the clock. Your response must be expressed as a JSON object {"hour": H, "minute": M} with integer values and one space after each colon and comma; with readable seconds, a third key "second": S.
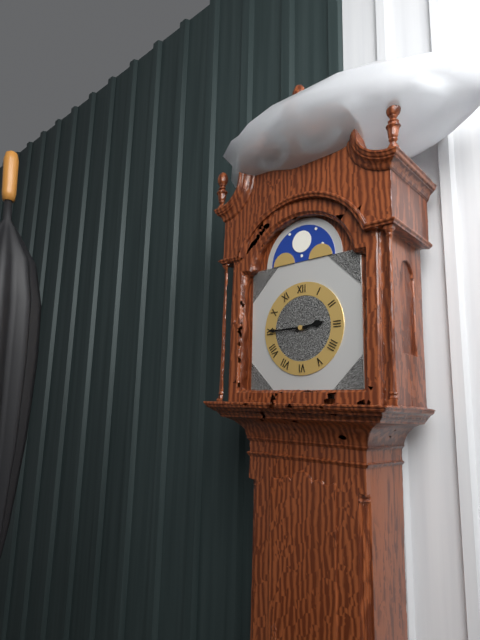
{"hour": 2, "minute": 45}
